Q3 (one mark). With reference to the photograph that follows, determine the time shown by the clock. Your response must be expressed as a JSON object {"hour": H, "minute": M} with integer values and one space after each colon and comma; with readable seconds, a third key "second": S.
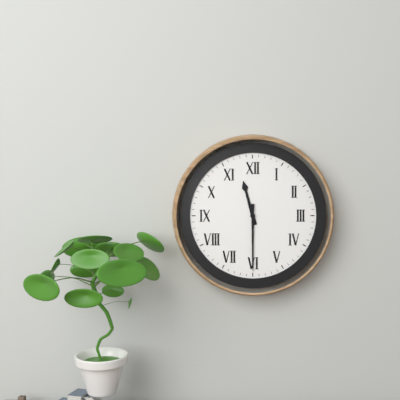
{"hour": 11, "minute": 30}
